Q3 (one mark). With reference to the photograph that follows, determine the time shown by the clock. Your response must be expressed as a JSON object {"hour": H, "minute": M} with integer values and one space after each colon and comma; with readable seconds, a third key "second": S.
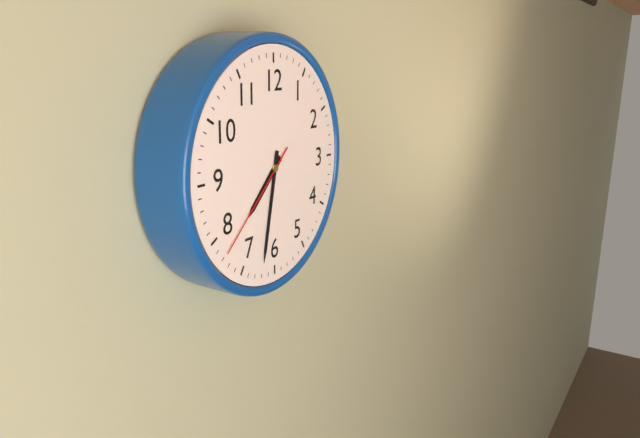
{"hour": 7, "minute": 32, "second": 38}
